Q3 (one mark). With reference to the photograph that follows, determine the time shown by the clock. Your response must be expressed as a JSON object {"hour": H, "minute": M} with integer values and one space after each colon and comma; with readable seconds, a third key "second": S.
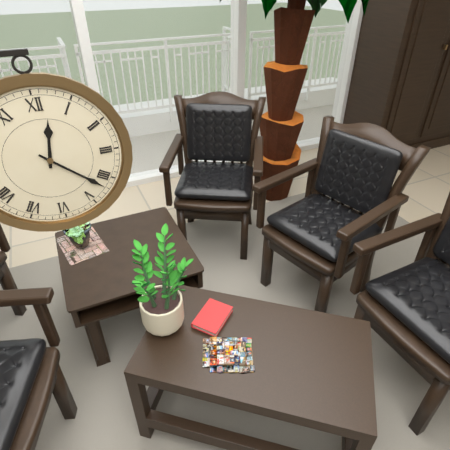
{"hour": 12, "minute": 22}
